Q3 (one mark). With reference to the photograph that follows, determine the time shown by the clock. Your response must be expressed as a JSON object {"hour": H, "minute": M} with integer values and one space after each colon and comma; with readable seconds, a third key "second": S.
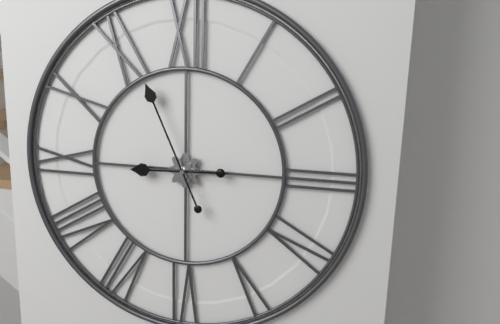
{"hour": 8, "minute": 56}
